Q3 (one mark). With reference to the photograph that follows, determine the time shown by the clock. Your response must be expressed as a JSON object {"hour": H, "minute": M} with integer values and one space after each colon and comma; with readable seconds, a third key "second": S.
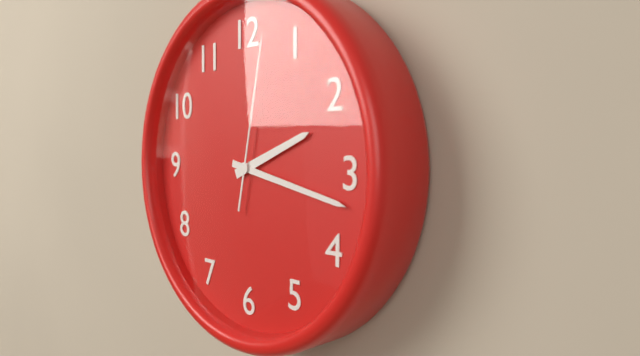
{"hour": 2, "minute": 17, "second": 2}
